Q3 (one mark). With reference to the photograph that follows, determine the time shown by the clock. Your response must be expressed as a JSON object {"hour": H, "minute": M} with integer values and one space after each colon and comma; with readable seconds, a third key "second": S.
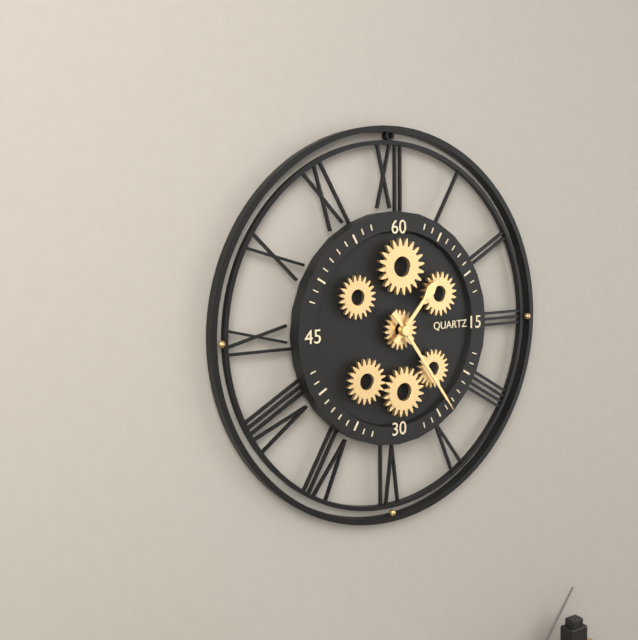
{"hour": 1, "minute": 24}
